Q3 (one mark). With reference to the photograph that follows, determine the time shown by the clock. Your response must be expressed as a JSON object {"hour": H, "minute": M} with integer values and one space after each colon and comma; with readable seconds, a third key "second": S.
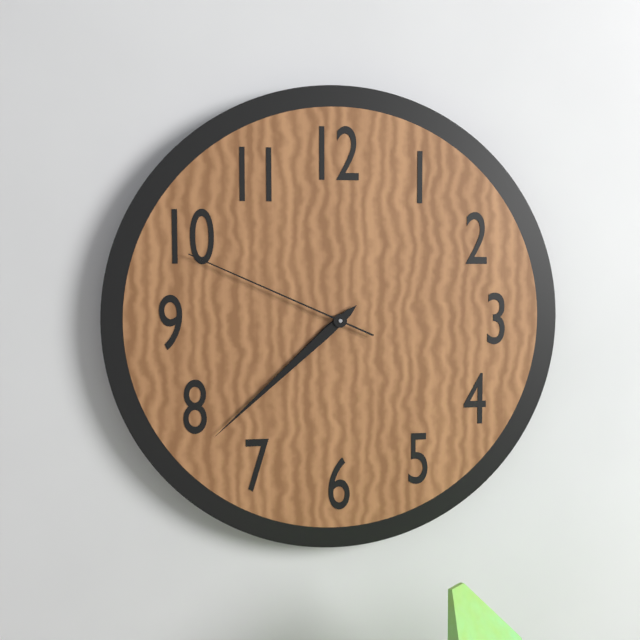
{"hour": 7, "minute": 38, "second": 49}
